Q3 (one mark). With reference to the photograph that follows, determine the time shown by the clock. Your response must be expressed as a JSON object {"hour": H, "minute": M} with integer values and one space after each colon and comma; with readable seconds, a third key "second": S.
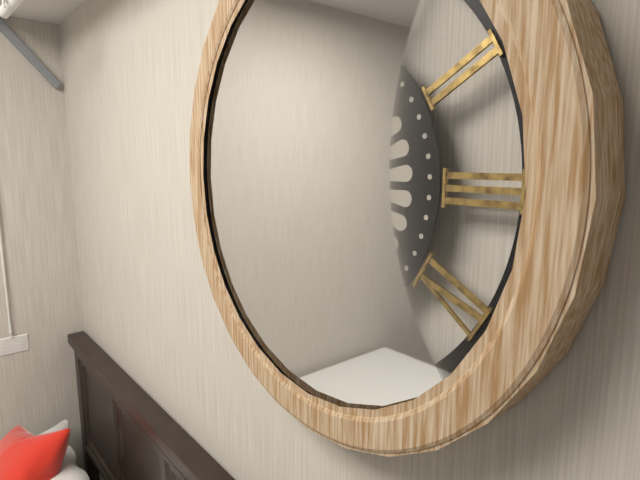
{"hour": 10, "minute": 38}
